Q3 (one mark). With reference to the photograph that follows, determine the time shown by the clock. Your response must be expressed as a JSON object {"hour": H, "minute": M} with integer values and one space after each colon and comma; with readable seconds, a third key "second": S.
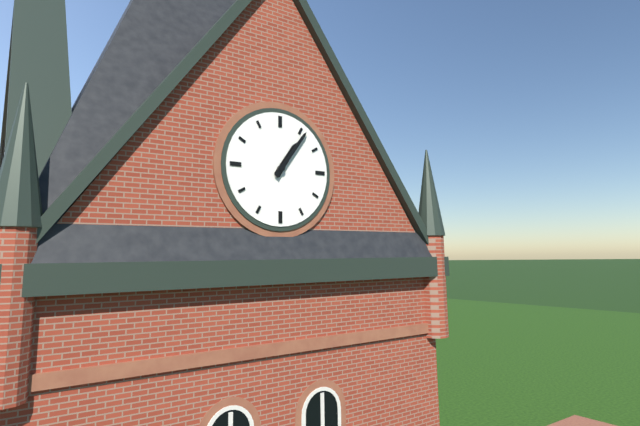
{"hour": 1, "minute": 6}
